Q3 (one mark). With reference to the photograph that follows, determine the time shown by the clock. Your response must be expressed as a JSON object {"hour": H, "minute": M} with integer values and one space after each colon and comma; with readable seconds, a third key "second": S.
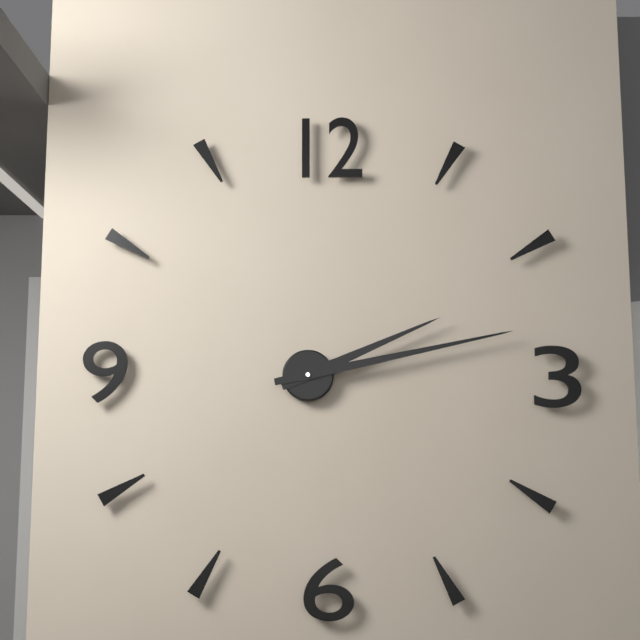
{"hour": 2, "minute": 13}
